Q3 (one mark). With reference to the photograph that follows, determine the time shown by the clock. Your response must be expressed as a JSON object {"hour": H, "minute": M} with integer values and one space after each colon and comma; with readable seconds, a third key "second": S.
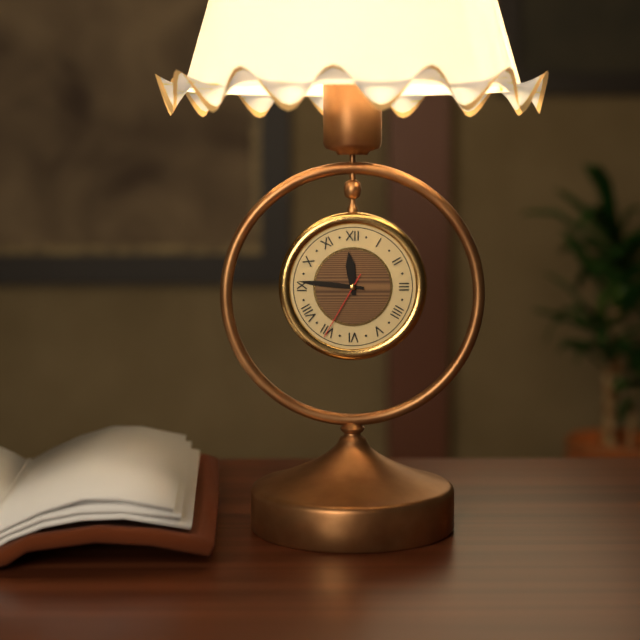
{"hour": 11, "minute": 46, "second": 35}
